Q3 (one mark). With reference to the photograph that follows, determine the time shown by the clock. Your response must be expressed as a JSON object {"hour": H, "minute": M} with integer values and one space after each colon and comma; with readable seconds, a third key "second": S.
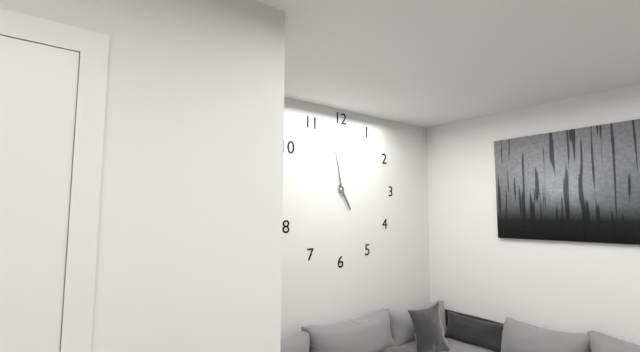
{"hour": 4, "minute": 58}
